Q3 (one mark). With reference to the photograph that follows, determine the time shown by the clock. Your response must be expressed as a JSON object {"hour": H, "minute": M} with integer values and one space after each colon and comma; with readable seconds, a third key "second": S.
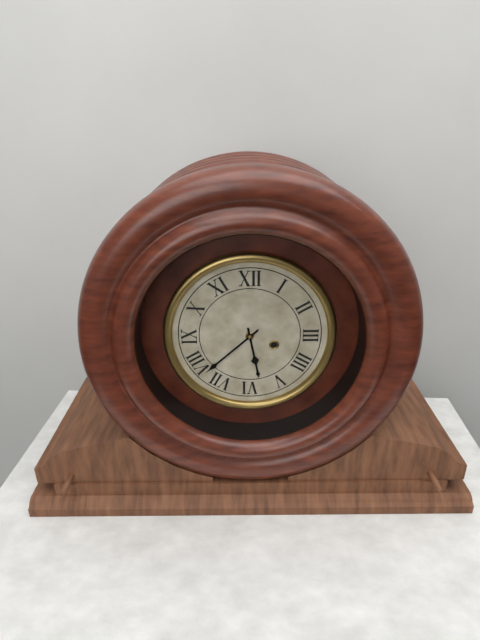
{"hour": 5, "minute": 38}
